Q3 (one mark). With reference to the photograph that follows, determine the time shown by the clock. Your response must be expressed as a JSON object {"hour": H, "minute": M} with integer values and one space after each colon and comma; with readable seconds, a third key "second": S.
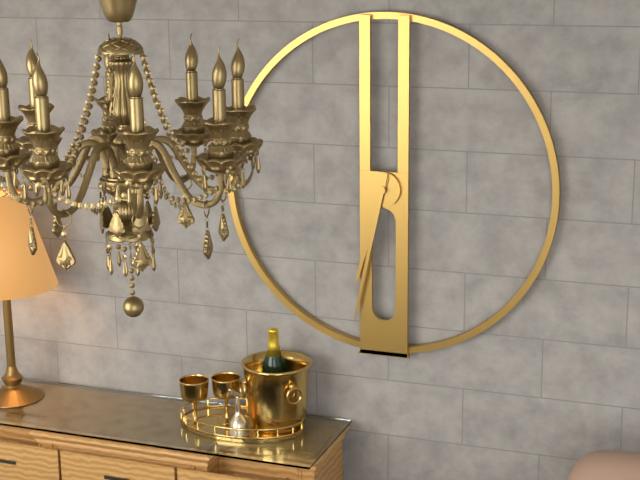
{"hour": 6, "minute": 32}
